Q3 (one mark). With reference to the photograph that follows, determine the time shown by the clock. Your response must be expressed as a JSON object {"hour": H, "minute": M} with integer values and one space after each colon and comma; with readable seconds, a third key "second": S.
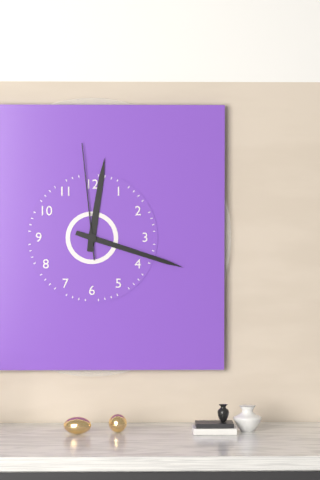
{"hour": 12, "minute": 18, "second": 59}
